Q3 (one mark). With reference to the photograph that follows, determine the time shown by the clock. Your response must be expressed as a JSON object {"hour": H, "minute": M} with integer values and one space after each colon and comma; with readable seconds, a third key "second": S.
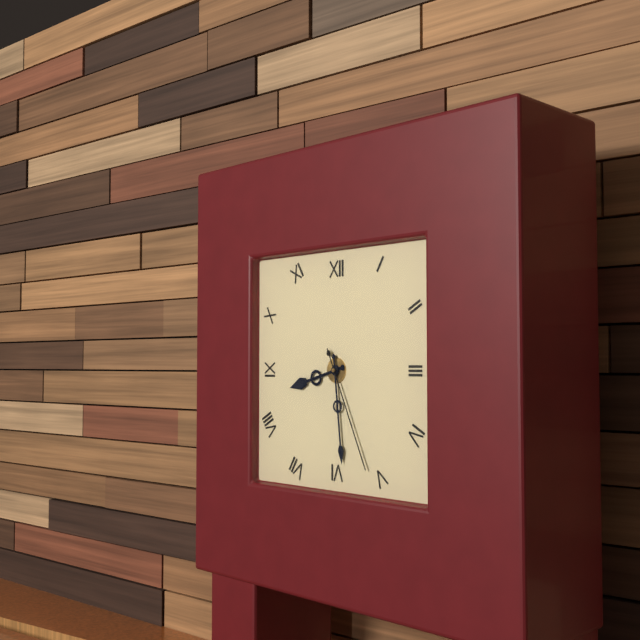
{"hour": 8, "minute": 29, "second": 26}
